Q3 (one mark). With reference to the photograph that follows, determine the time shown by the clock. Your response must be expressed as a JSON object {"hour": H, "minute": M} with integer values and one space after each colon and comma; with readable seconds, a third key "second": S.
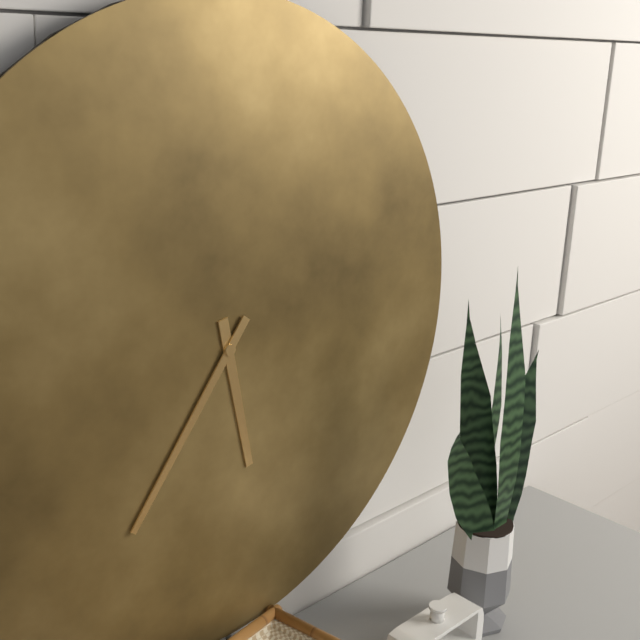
{"hour": 5, "minute": 36}
